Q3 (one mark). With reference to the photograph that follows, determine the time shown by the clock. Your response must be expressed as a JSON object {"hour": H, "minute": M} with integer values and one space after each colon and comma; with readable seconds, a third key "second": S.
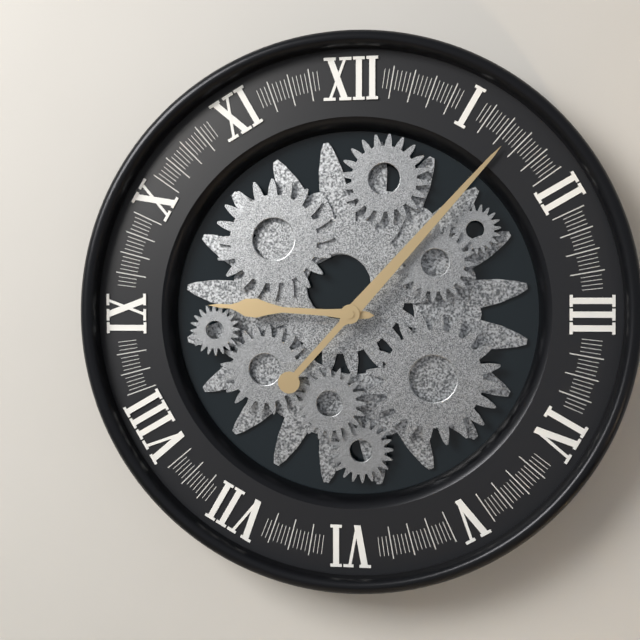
{"hour": 9, "minute": 7}
